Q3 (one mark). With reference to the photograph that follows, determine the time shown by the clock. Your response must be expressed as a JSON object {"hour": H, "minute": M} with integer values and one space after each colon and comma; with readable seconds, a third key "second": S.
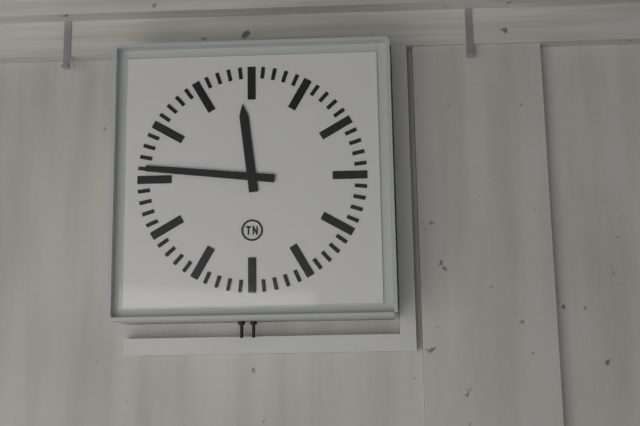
{"hour": 11, "minute": 46}
